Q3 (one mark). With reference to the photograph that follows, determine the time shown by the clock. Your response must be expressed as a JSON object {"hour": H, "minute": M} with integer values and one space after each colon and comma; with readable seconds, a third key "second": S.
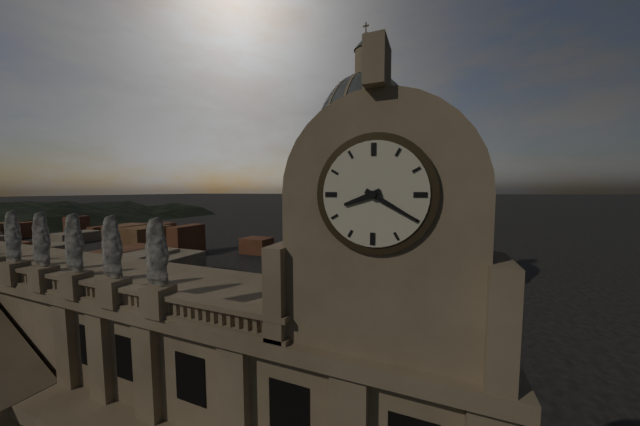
{"hour": 8, "minute": 20}
